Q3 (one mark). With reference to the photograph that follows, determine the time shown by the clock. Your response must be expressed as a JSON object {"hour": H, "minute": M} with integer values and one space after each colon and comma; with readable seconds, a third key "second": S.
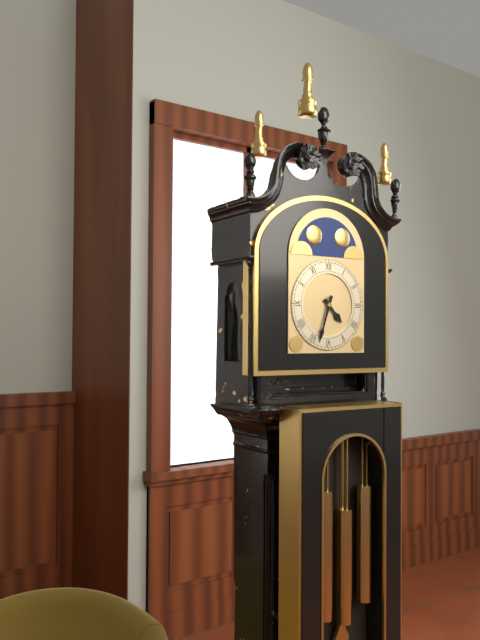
{"hour": 4, "minute": 33}
